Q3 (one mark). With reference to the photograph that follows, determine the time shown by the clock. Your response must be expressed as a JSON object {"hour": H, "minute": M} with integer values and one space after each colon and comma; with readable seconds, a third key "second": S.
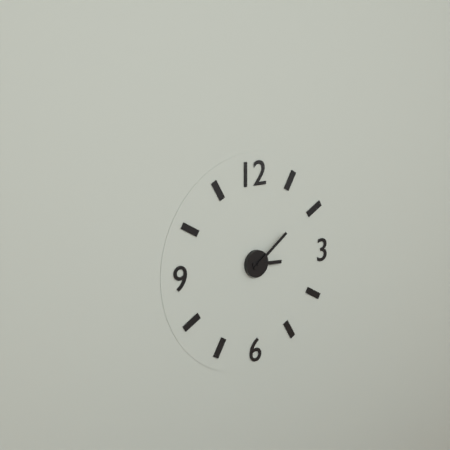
{"hour": 3, "minute": 9}
